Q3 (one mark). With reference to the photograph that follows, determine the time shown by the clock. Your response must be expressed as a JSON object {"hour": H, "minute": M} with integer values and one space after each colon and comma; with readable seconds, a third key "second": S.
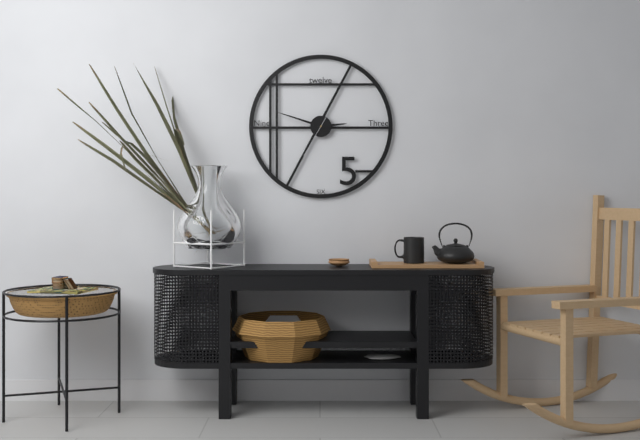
{"hour": 2, "minute": 48}
